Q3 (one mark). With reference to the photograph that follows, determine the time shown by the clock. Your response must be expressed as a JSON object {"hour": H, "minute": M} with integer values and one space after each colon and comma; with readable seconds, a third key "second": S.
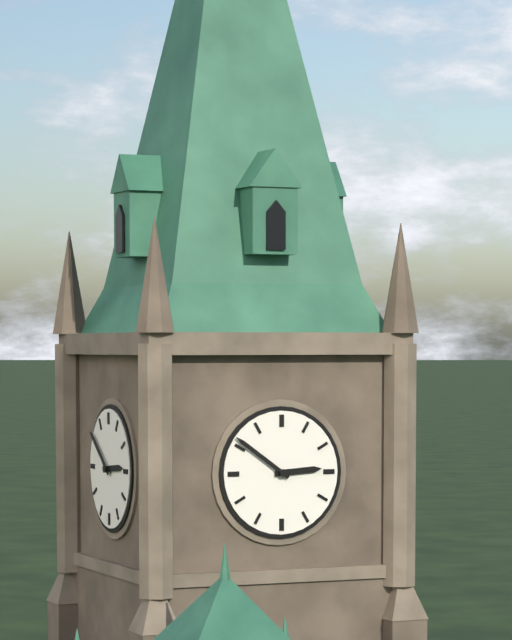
{"hour": 2, "minute": 51}
